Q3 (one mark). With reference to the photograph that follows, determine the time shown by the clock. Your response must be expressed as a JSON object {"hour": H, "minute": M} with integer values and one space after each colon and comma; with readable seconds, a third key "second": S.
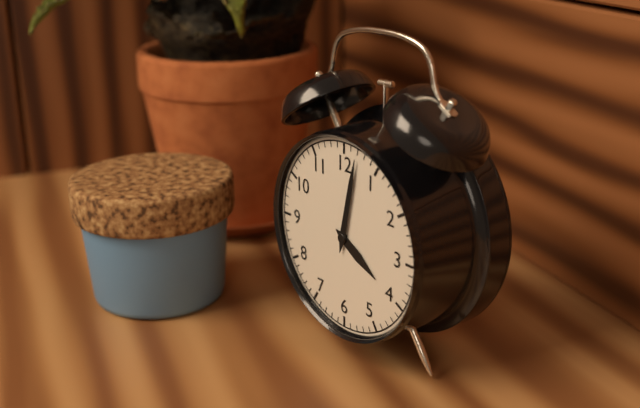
{"hour": 4, "minute": 2}
